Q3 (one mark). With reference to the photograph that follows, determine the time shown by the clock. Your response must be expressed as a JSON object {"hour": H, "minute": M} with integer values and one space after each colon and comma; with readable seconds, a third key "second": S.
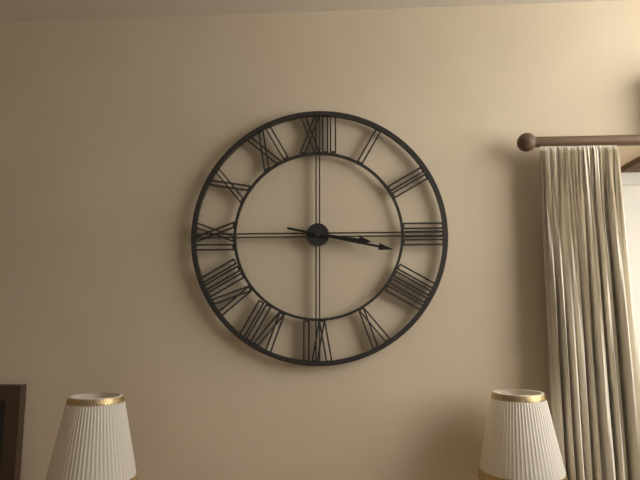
{"hour": 3, "minute": 17}
